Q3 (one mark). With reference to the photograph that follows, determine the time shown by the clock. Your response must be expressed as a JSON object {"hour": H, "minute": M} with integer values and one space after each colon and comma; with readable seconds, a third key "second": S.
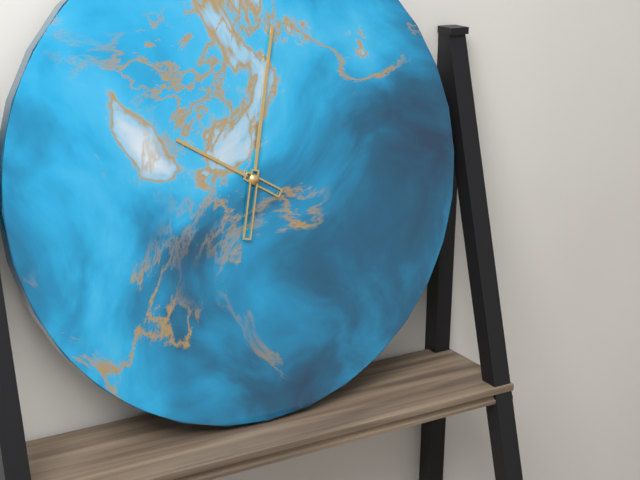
{"hour": 10, "minute": 2}
